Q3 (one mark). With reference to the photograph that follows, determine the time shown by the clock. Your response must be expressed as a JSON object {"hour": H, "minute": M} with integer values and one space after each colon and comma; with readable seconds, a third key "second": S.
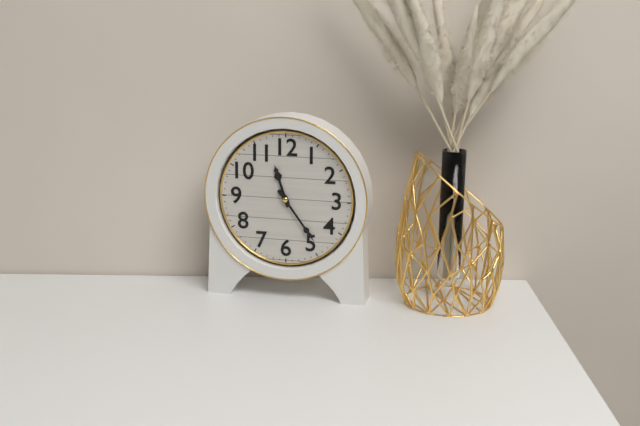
{"hour": 11, "minute": 24}
